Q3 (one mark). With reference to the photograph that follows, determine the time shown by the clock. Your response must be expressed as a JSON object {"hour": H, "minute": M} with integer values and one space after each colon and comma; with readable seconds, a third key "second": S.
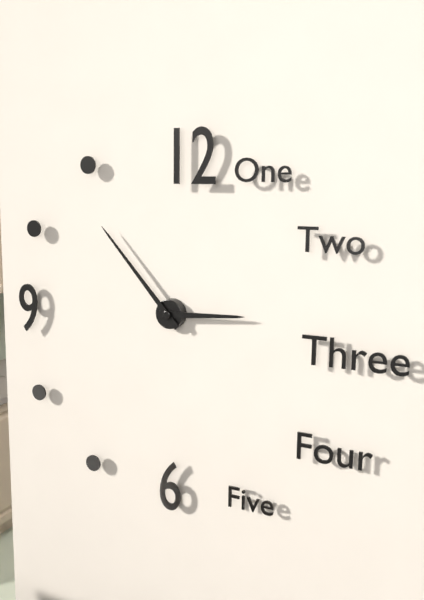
{"hour": 2, "minute": 53}
